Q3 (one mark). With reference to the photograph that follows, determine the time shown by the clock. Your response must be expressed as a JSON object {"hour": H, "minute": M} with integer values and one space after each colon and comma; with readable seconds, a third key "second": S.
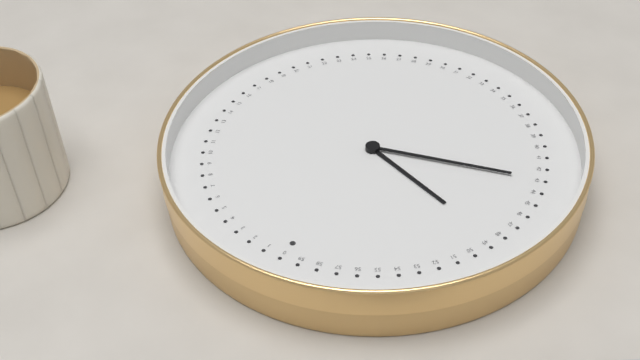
{"hour": 9, "minute": 43}
